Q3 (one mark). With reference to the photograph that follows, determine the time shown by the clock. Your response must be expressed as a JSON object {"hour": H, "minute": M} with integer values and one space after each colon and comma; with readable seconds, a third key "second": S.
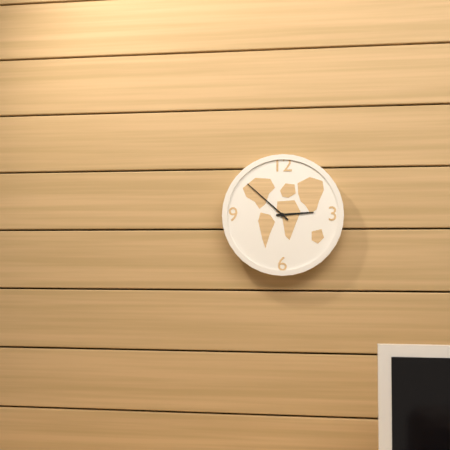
{"hour": 2, "minute": 52}
